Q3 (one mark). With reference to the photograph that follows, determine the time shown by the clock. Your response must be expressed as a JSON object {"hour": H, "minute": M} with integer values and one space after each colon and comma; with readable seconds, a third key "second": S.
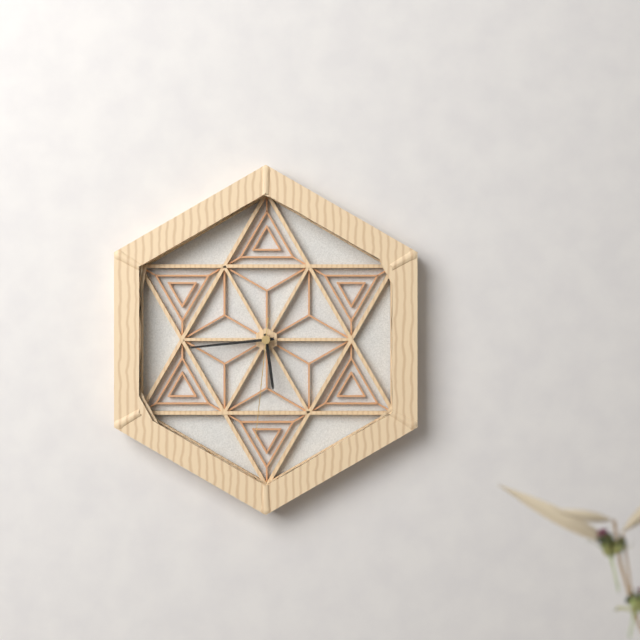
{"hour": 5, "minute": 44, "second": 31}
